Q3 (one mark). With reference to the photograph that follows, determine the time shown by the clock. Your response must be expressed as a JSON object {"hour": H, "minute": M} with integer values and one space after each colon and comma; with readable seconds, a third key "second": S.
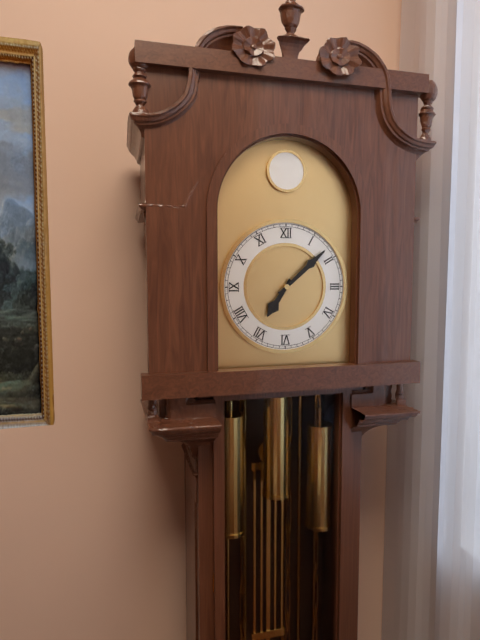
{"hour": 7, "minute": 8}
